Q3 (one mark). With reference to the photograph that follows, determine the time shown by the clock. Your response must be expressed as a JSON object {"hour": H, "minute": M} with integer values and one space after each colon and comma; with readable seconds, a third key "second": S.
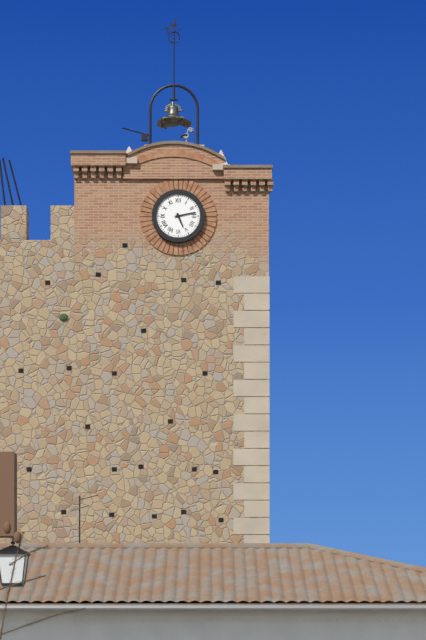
{"hour": 5, "minute": 13}
